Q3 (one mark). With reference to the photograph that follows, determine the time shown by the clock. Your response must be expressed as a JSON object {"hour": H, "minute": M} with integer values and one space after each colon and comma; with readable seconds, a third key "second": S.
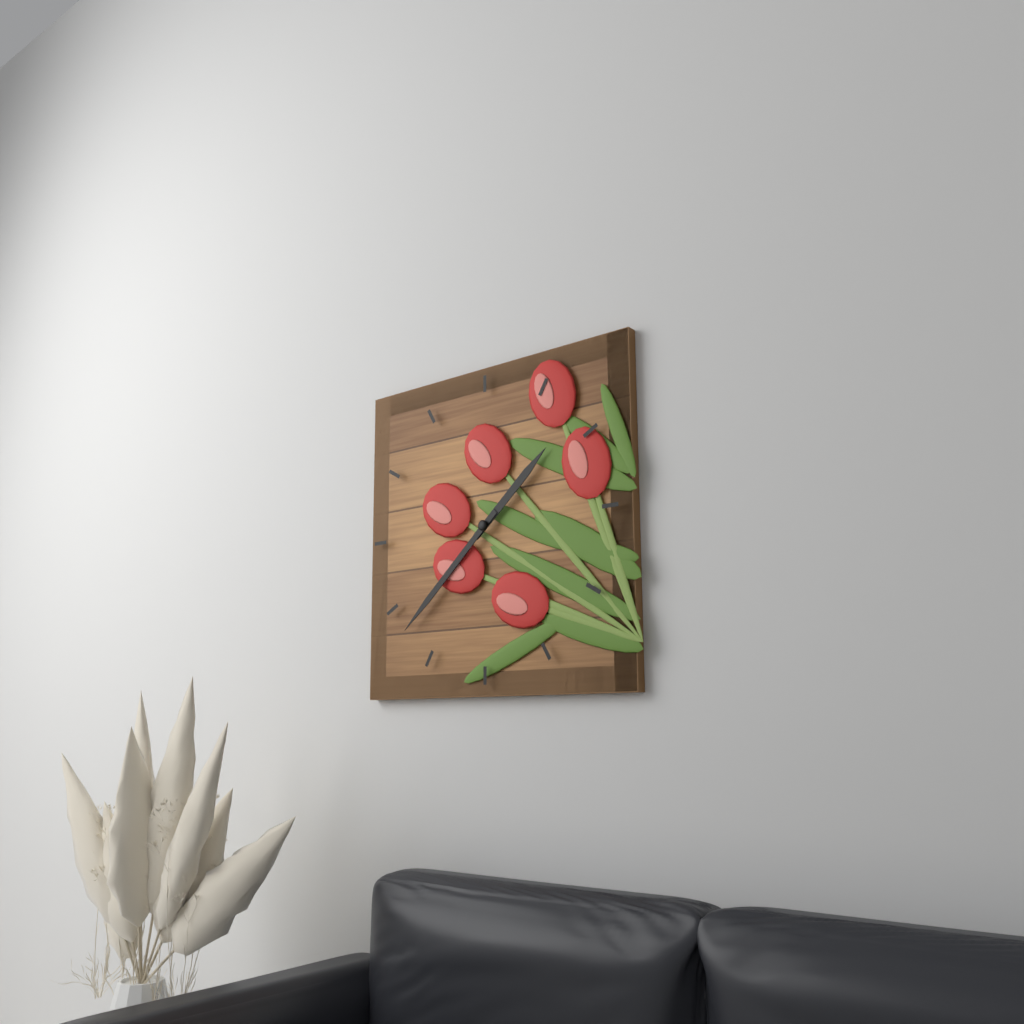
{"hour": 1, "minute": 38}
